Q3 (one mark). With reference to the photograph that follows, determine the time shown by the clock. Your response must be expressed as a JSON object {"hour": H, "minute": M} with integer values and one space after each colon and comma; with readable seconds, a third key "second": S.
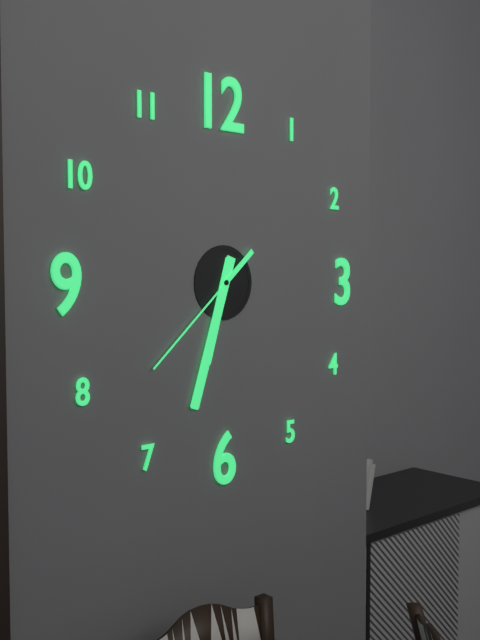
{"hour": 6, "minute": 33, "second": 38}
